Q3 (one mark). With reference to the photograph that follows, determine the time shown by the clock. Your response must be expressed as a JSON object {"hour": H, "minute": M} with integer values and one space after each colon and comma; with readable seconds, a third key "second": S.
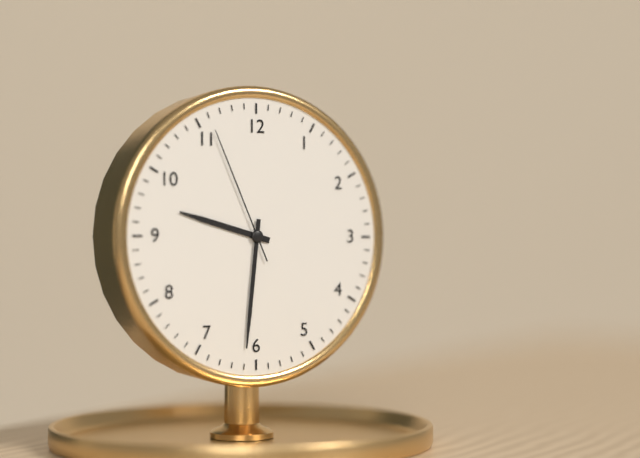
{"hour": 9, "minute": 31, "second": 56}
